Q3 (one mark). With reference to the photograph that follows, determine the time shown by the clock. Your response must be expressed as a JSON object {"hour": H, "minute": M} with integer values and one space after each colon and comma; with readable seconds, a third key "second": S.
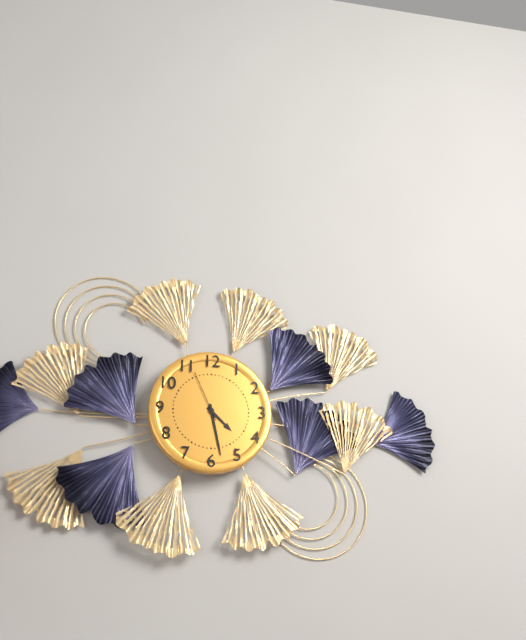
{"hour": 4, "minute": 28, "second": 56}
